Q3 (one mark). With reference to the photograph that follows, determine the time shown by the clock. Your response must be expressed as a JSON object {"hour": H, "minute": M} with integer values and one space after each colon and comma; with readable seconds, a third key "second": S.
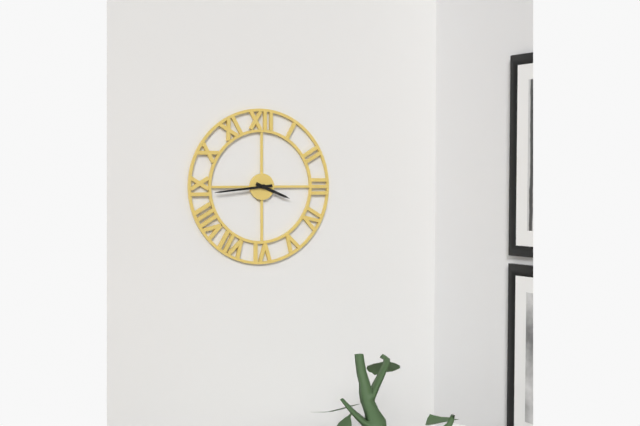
{"hour": 3, "minute": 44}
